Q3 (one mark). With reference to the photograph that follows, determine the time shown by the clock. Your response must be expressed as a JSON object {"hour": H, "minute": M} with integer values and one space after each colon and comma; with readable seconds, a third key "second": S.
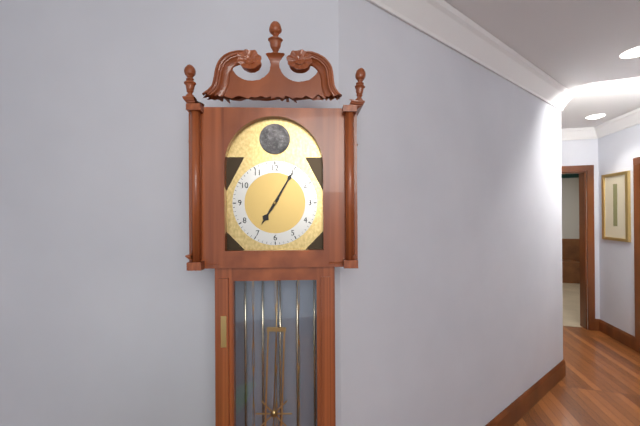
{"hour": 7, "minute": 5}
